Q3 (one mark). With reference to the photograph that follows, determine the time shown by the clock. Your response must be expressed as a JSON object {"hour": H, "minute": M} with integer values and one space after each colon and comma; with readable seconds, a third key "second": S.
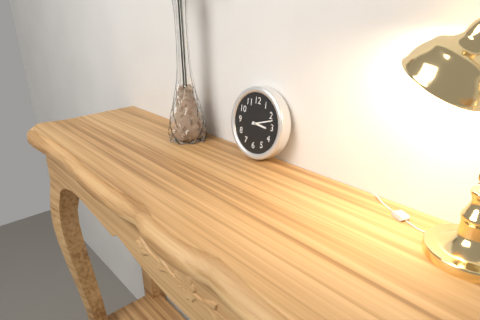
{"hour": 3, "minute": 12}
